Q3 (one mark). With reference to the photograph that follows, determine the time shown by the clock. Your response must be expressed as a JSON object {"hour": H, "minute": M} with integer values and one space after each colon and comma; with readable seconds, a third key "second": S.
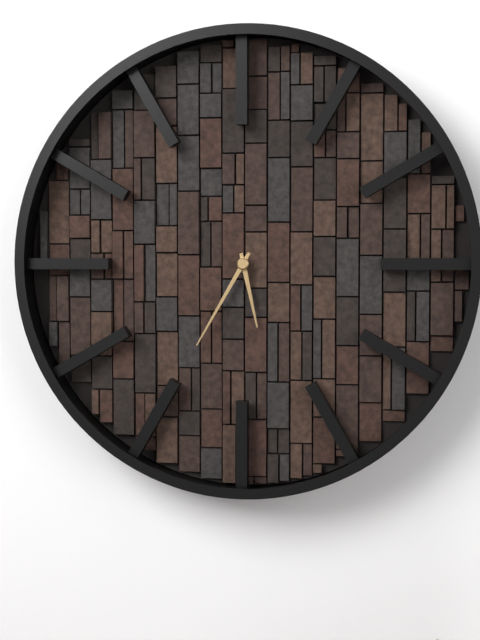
{"hour": 5, "minute": 35}
